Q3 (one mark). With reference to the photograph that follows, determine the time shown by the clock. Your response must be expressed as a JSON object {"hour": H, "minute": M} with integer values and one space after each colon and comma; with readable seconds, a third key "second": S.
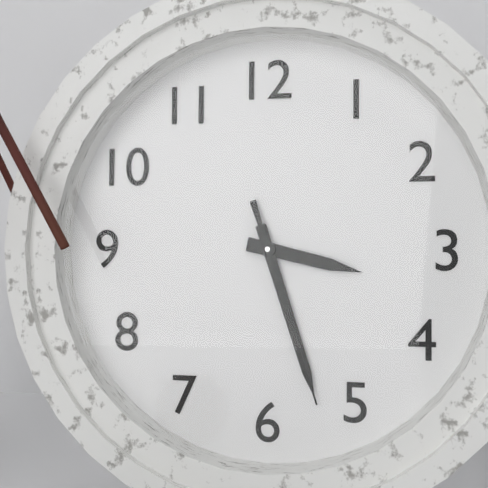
{"hour": 3, "minute": 27, "second": 27}
